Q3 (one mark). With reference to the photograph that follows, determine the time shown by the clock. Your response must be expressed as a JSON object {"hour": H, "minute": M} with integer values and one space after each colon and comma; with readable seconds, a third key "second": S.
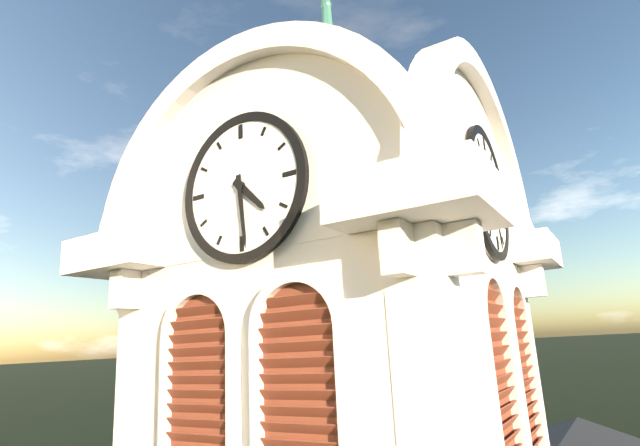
{"hour": 4, "minute": 29}
